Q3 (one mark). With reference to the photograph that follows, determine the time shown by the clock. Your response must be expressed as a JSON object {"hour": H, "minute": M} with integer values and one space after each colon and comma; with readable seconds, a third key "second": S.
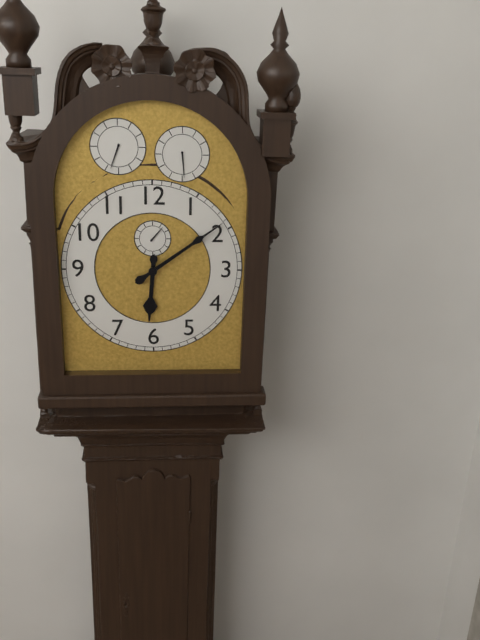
{"hour": 6, "minute": 9}
